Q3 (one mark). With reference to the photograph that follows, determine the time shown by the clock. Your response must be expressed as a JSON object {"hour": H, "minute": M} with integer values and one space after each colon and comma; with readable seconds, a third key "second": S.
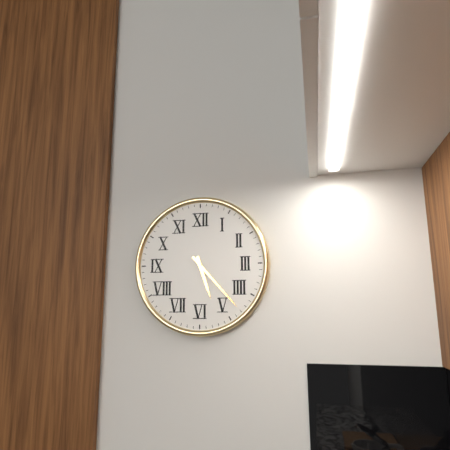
{"hour": 5, "minute": 23}
